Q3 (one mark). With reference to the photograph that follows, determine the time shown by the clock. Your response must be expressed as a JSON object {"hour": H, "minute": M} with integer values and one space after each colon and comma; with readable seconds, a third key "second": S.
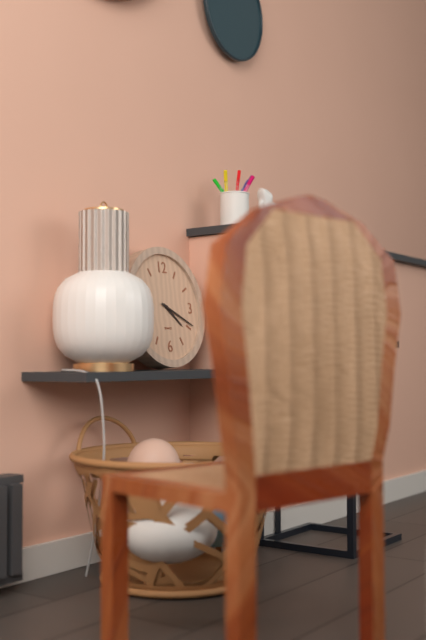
{"hour": 4, "minute": 19}
